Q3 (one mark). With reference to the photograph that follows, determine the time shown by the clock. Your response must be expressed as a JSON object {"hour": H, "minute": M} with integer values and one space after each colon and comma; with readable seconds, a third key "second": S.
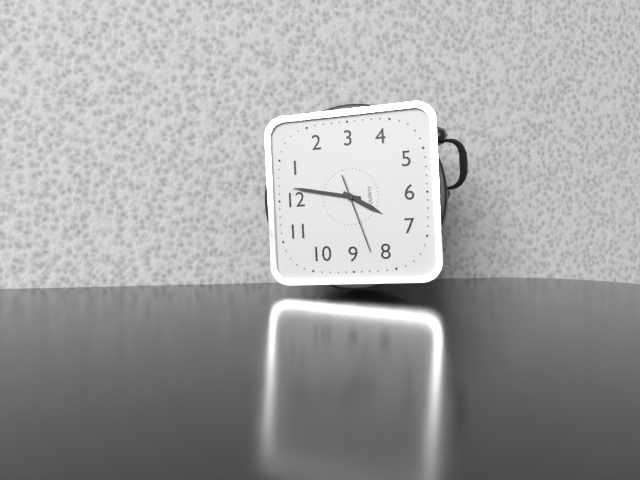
{"hour": 7, "minute": 2, "second": 42}
